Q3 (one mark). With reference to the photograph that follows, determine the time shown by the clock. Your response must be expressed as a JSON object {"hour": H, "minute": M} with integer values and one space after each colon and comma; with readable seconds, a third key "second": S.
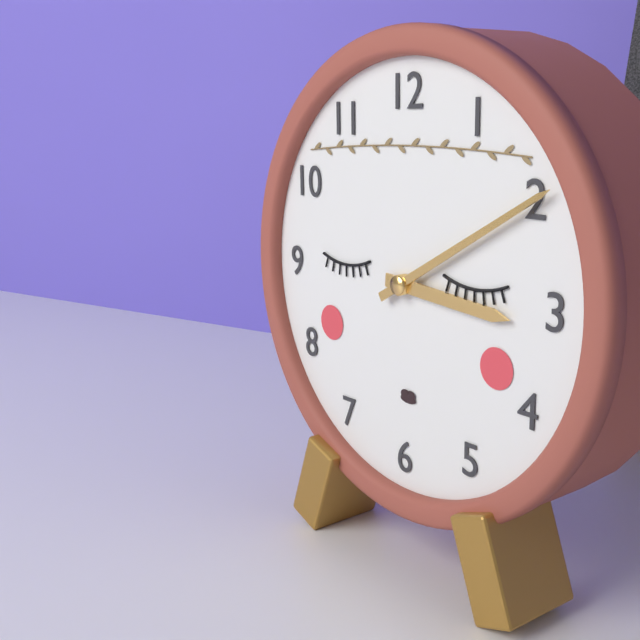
{"hour": 3, "minute": 10}
